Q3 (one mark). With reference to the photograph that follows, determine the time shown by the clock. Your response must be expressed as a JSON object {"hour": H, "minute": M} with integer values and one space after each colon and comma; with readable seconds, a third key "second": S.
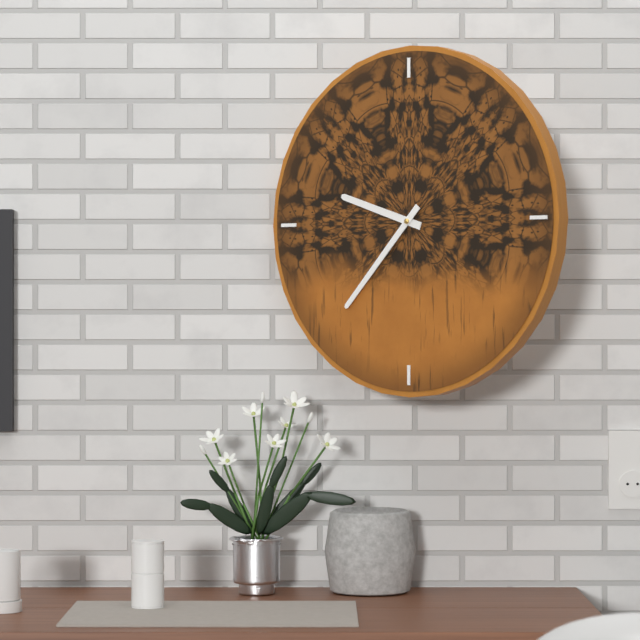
{"hour": 9, "minute": 37}
